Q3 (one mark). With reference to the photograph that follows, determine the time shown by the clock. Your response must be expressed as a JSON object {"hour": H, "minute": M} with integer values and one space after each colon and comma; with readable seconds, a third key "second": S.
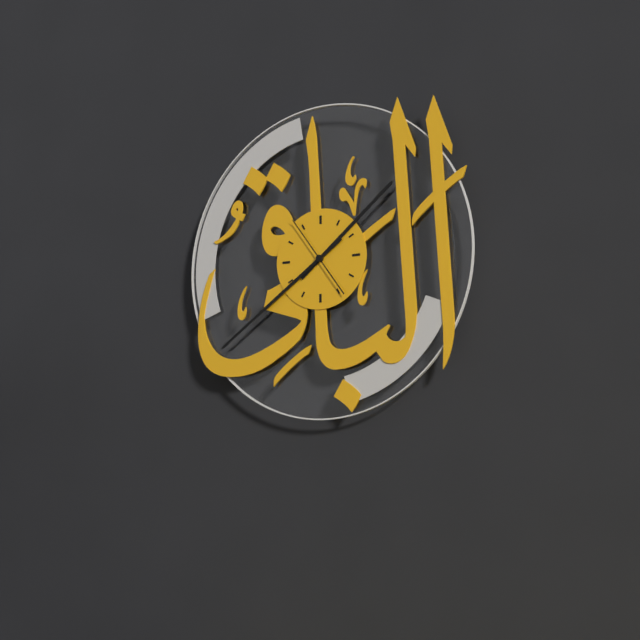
{"hour": 1, "minute": 39, "second": 54}
